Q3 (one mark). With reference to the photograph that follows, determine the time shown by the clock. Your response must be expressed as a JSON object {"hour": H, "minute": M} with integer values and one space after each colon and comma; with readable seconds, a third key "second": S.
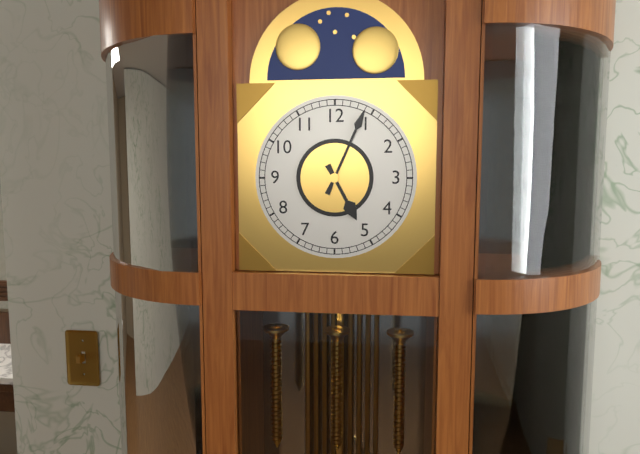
{"hour": 5, "minute": 4}
